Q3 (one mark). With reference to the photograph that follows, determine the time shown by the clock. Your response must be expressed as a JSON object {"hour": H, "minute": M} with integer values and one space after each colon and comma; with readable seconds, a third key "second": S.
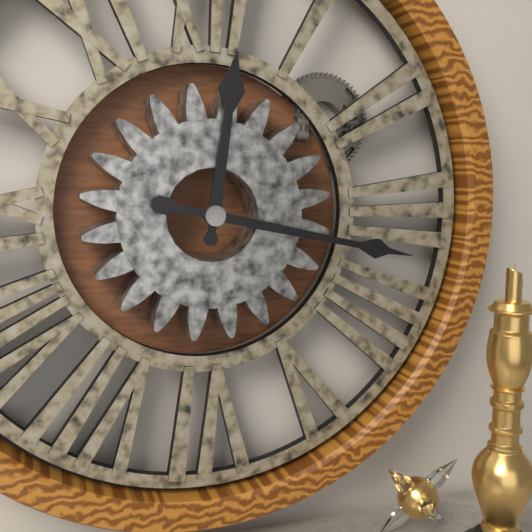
{"hour": 12, "minute": 17}
